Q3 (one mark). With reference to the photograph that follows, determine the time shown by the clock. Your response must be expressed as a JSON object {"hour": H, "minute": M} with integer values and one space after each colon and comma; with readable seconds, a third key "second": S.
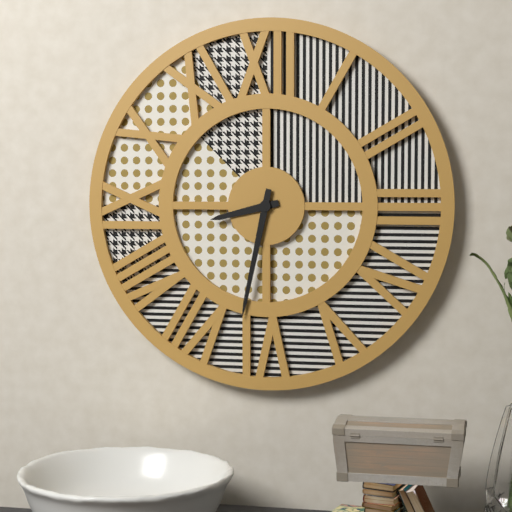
{"hour": 8, "minute": 32}
